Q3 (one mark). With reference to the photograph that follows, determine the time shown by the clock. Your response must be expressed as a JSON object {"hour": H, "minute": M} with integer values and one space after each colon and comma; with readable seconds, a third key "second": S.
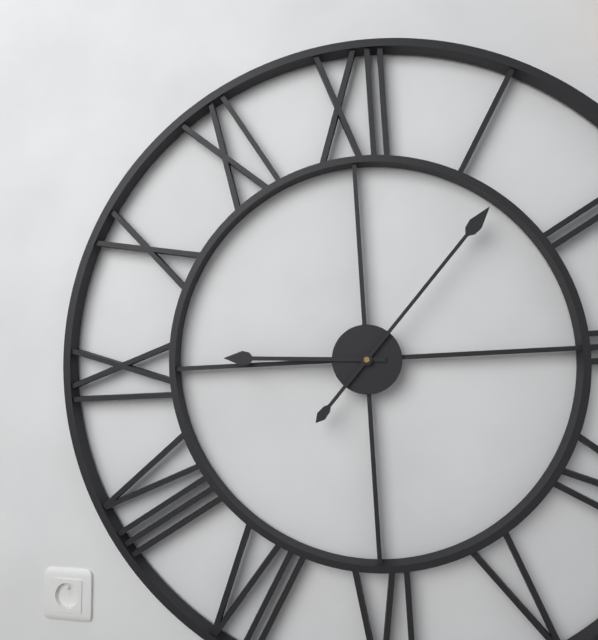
{"hour": 9, "minute": 7}
